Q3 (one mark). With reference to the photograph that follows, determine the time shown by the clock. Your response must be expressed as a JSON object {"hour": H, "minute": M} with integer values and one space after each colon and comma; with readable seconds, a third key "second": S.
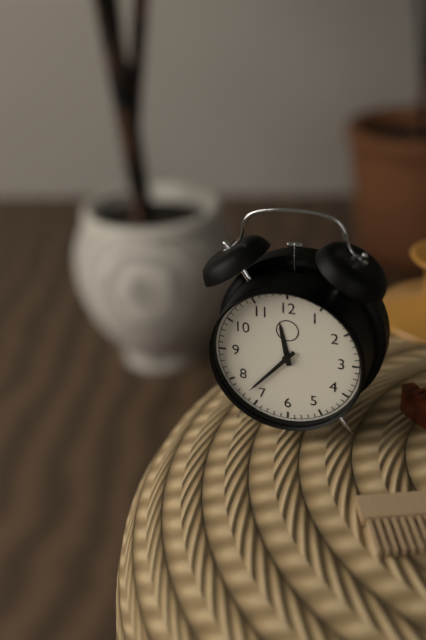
{"hour": 11, "minute": 37}
